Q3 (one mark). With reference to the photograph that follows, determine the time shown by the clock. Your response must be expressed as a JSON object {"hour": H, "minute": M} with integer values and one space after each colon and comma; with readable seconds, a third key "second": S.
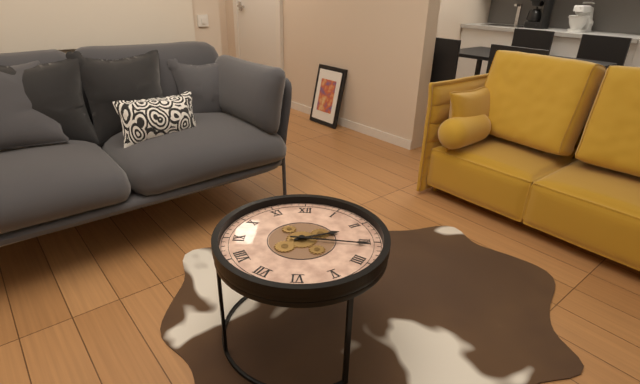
{"hour": 2, "minute": 16}
